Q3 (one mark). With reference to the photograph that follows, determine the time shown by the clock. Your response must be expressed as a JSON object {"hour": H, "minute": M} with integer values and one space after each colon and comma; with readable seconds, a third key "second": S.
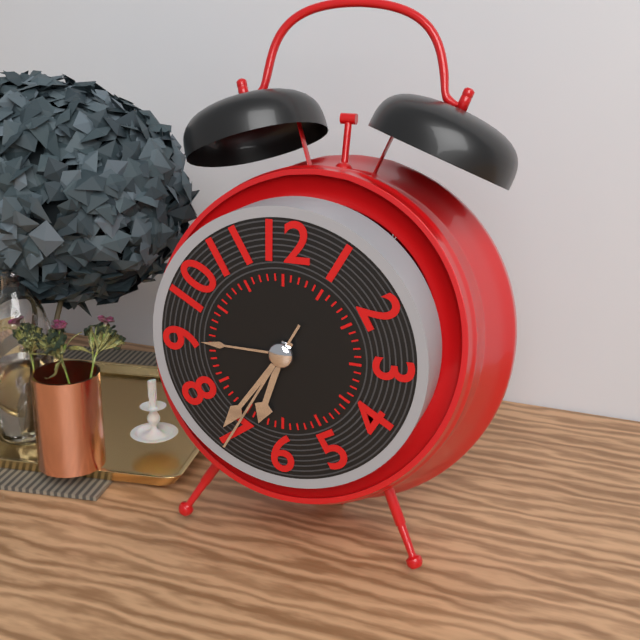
{"hour": 6, "minute": 36, "second": 35}
